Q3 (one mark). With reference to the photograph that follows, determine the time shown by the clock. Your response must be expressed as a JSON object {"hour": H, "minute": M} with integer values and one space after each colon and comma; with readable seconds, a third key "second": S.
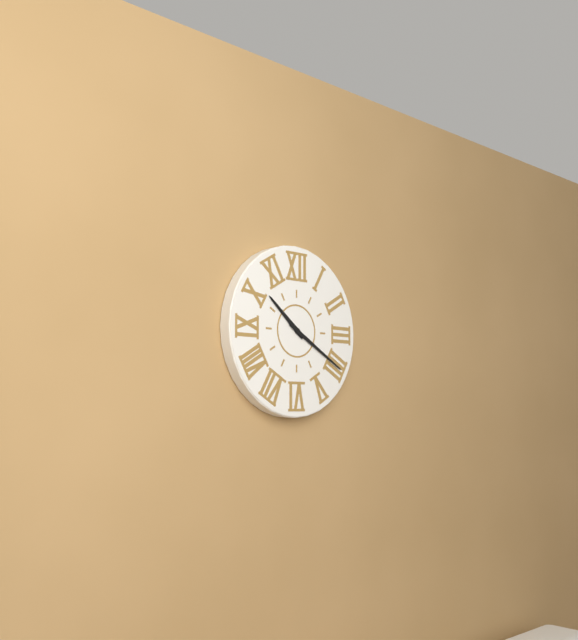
{"hour": 10, "minute": 20}
